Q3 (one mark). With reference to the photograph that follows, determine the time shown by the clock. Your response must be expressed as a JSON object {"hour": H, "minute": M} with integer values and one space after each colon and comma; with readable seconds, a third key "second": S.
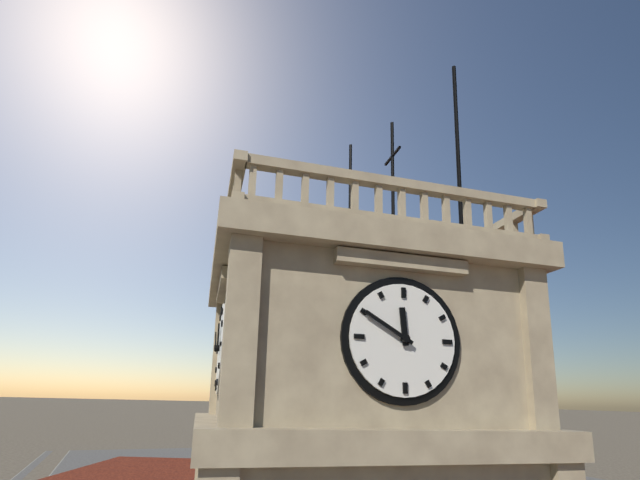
{"hour": 11, "minute": 50}
